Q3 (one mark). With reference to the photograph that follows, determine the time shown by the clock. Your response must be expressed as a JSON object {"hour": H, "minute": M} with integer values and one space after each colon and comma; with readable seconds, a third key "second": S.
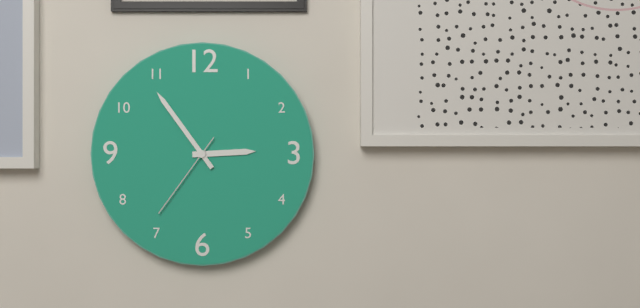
{"hour": 2, "minute": 54, "second": 36}
